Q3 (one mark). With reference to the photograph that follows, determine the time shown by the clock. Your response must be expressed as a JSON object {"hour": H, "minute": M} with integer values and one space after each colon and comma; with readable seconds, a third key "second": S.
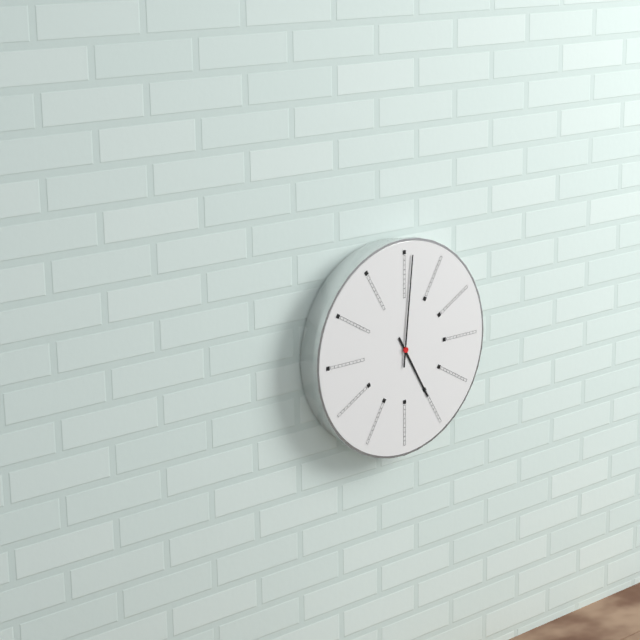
{"hour": 5, "minute": 1}
